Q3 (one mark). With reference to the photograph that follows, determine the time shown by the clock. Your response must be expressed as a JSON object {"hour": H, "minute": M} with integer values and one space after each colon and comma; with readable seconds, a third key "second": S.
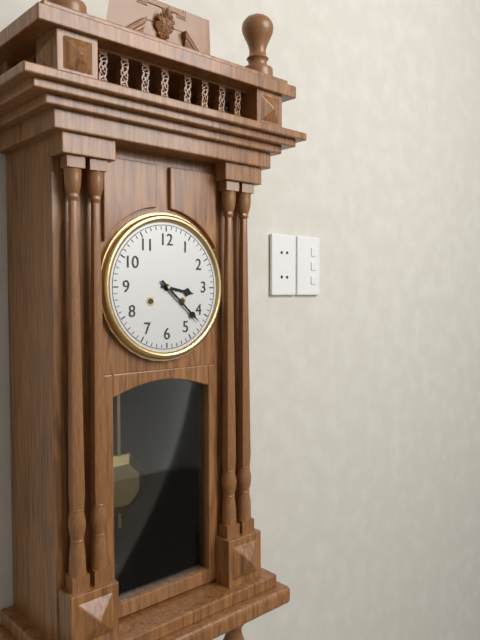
{"hour": 3, "minute": 22}
